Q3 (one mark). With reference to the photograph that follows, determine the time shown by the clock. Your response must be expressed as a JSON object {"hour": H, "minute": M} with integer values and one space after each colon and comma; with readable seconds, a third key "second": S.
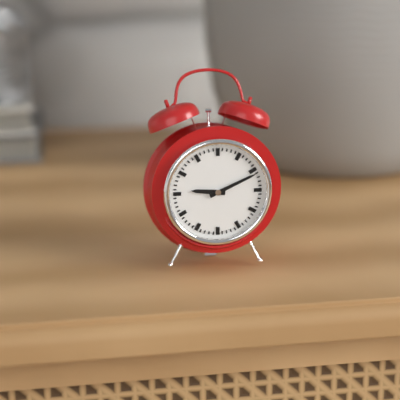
{"hour": 9, "minute": 11}
